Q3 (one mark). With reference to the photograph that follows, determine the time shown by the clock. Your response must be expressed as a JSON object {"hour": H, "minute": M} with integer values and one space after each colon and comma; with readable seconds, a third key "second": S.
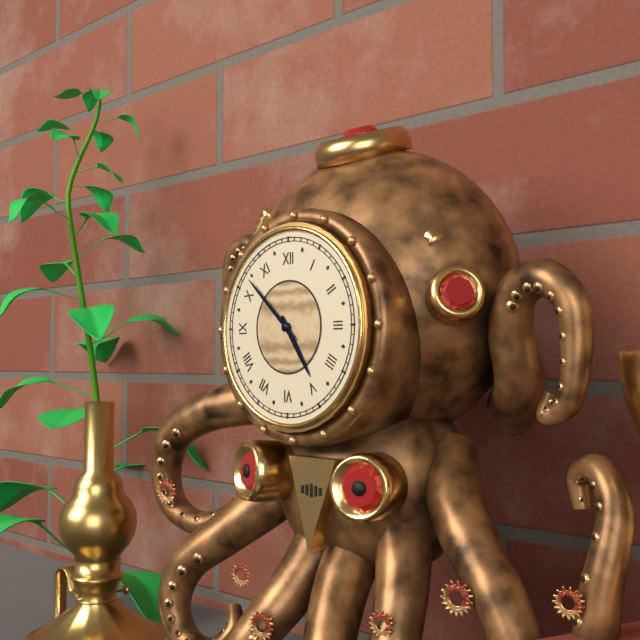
{"hour": 4, "minute": 52}
